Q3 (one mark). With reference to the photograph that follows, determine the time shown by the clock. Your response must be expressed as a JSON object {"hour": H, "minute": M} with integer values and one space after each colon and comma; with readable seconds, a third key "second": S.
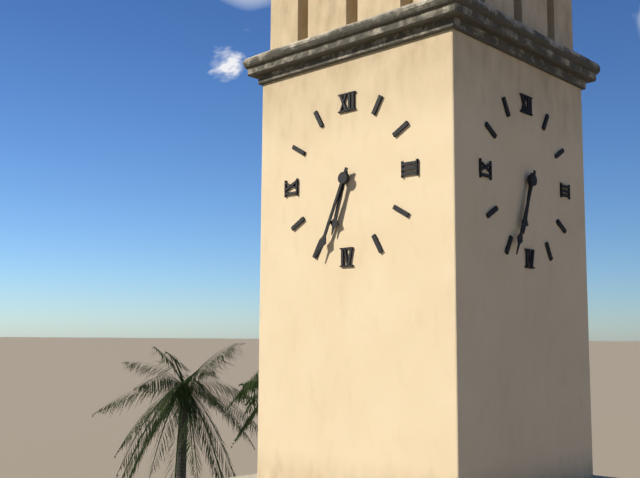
{"hour": 6, "minute": 34}
